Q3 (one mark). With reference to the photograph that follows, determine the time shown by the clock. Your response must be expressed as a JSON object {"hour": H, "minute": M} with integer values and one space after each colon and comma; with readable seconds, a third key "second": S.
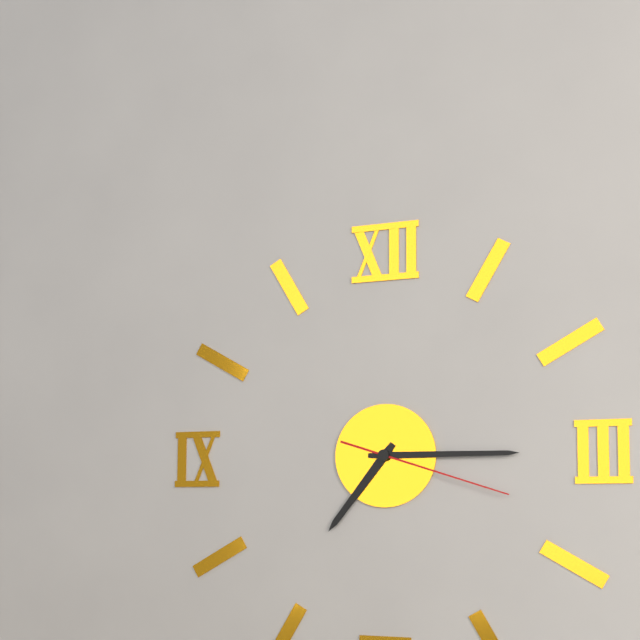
{"hour": 7, "minute": 15, "second": 18}
